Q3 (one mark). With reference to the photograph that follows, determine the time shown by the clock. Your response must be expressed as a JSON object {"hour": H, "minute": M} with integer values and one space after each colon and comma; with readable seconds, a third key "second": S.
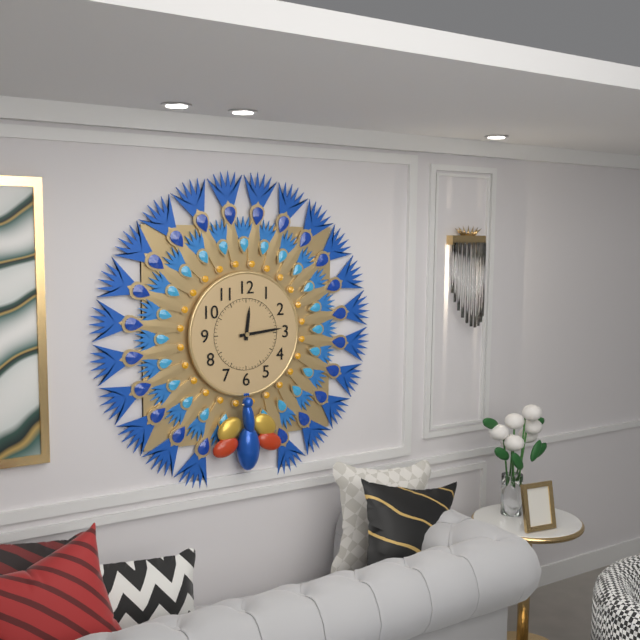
{"hour": 12, "minute": 14}
